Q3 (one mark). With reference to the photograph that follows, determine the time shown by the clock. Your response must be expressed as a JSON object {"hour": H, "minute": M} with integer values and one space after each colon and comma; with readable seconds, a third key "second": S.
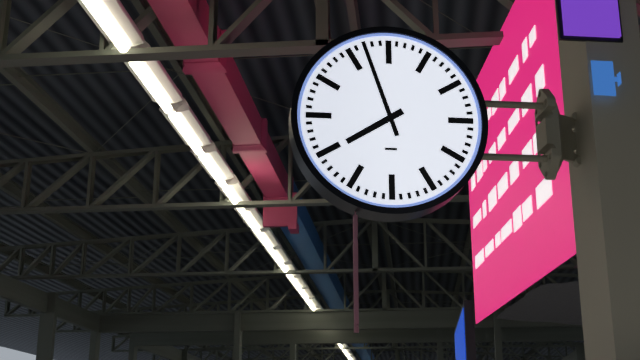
{"hour": 7, "minute": 57}
